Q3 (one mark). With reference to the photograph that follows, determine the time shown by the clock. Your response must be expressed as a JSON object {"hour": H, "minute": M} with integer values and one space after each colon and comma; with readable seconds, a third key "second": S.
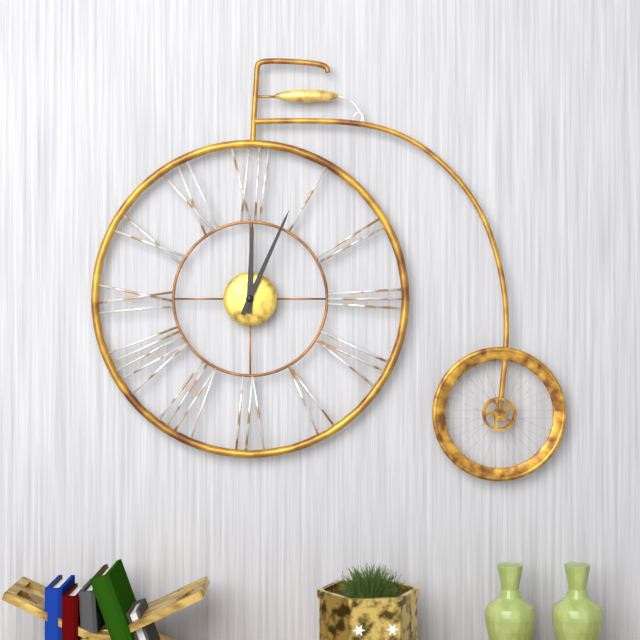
{"hour": 12, "minute": 4}
